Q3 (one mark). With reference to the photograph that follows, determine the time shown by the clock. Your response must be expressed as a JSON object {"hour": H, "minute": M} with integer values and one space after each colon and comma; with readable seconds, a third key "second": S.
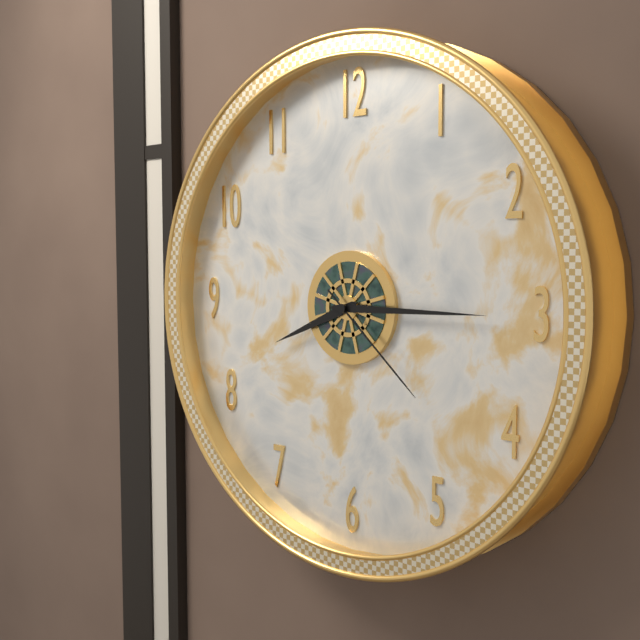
{"hour": 8, "minute": 15, "second": 22}
